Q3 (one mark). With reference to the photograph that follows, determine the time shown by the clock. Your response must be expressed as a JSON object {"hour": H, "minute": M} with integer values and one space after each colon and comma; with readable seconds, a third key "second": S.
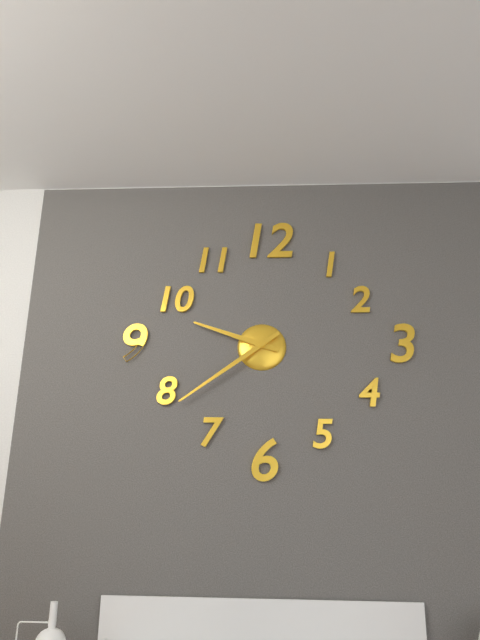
{"hour": 9, "minute": 39}
